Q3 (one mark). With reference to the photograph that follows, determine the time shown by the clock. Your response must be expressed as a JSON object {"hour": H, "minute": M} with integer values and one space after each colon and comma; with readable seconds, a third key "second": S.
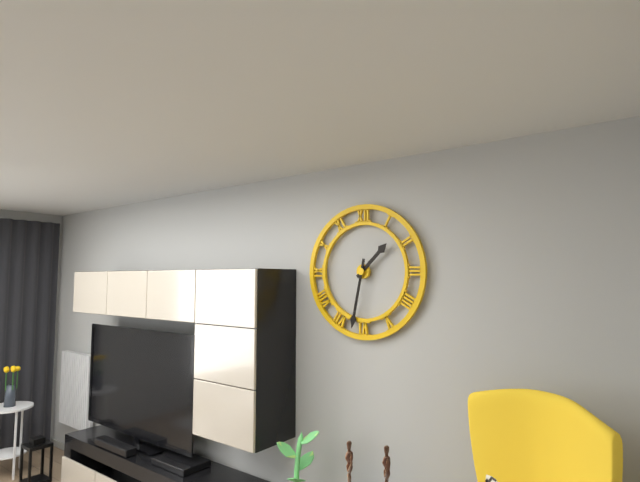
{"hour": 1, "minute": 32}
